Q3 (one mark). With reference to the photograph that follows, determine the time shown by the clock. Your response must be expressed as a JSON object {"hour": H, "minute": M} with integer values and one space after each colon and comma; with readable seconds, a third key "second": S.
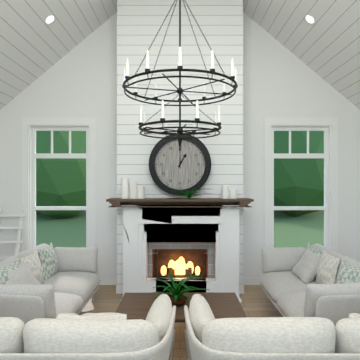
{"hour": 1, "minute": 0}
